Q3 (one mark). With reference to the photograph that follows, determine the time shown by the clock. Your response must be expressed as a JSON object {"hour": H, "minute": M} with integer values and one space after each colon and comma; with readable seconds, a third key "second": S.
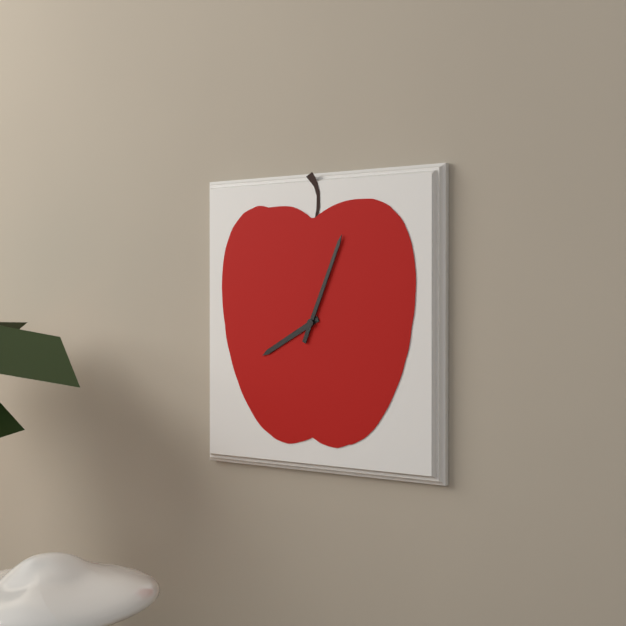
{"hour": 8, "minute": 4}
